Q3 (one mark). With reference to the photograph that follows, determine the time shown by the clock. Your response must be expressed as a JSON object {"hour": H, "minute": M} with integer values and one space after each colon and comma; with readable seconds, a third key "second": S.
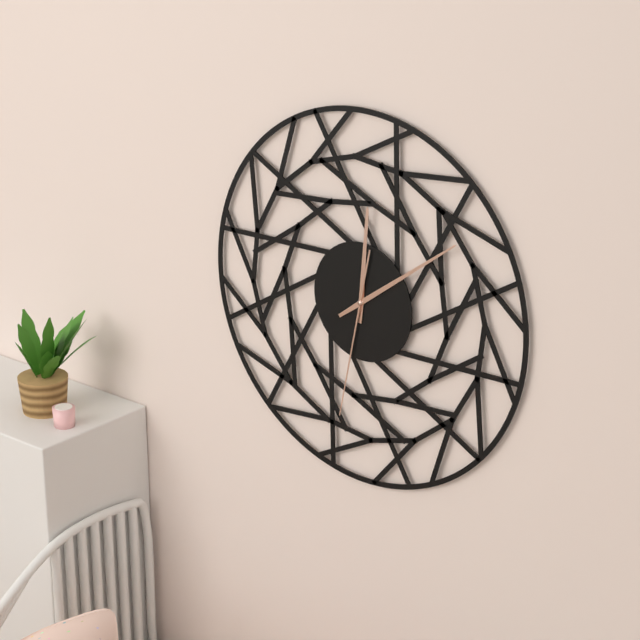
{"hour": 12, "minute": 9, "second": 32}
